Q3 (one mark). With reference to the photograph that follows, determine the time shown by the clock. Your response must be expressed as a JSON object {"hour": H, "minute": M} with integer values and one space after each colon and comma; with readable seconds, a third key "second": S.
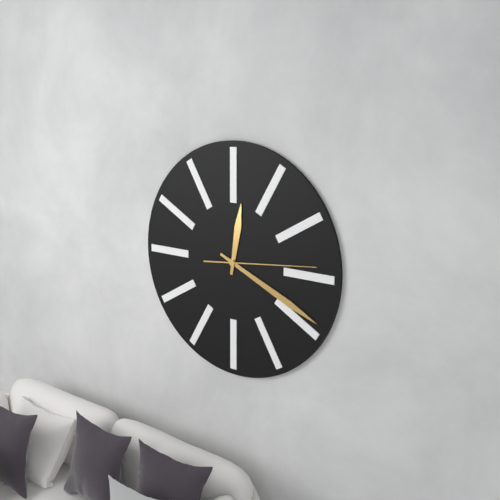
{"hour": 12, "minute": 19, "second": 14}
